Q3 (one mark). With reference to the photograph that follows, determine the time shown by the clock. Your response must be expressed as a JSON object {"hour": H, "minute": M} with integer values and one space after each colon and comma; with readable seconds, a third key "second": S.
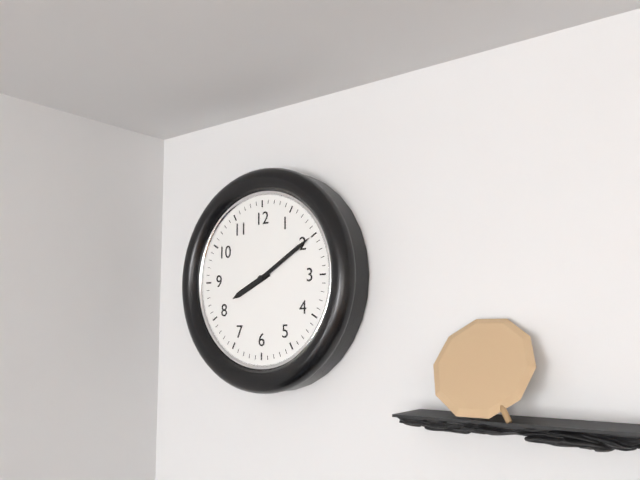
{"hour": 8, "minute": 10}
